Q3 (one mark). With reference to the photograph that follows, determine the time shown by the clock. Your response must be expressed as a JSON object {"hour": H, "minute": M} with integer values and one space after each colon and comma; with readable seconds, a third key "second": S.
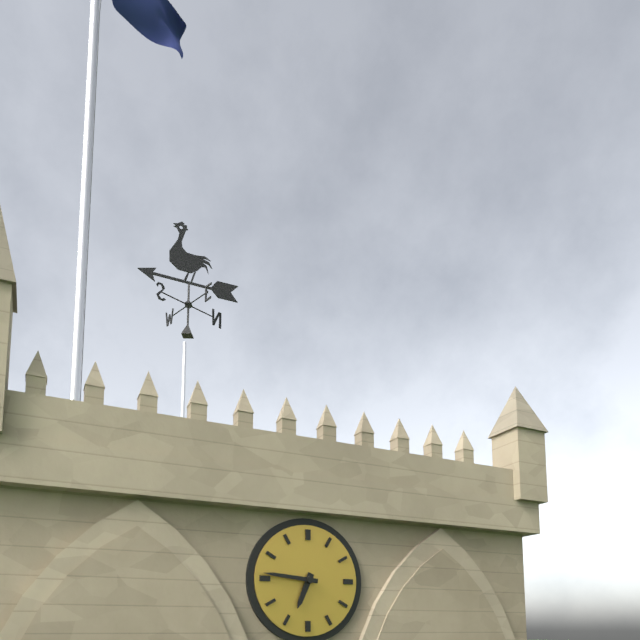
{"hour": 6, "minute": 46}
